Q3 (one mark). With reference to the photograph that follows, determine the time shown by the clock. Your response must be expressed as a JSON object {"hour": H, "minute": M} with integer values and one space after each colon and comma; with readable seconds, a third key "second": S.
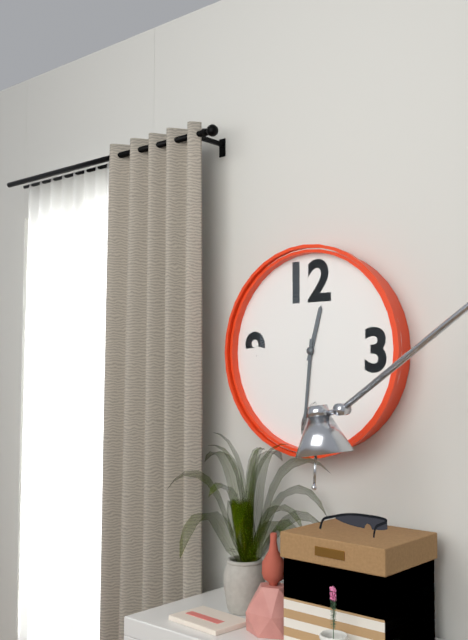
{"hour": 12, "minute": 31}
